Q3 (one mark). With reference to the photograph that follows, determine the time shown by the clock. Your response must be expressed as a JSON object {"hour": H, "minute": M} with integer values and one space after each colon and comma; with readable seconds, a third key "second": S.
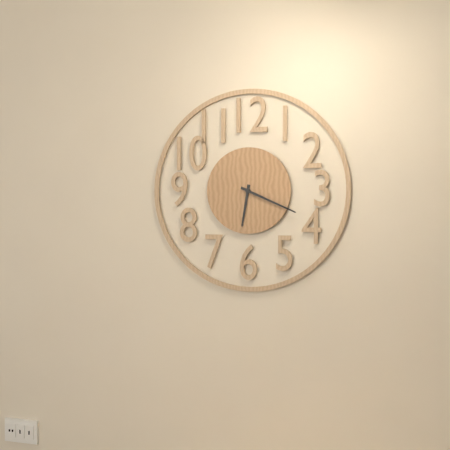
{"hour": 6, "minute": 19}
